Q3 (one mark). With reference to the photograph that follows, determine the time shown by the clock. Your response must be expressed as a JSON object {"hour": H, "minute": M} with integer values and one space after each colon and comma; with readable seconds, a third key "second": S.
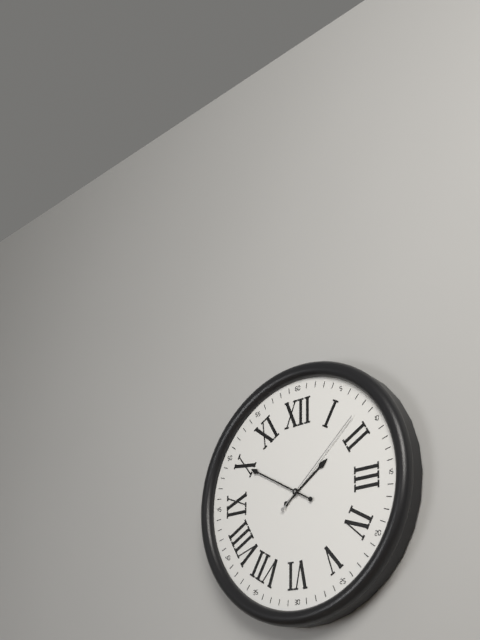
{"hour": 1, "minute": 50, "second": 8}
